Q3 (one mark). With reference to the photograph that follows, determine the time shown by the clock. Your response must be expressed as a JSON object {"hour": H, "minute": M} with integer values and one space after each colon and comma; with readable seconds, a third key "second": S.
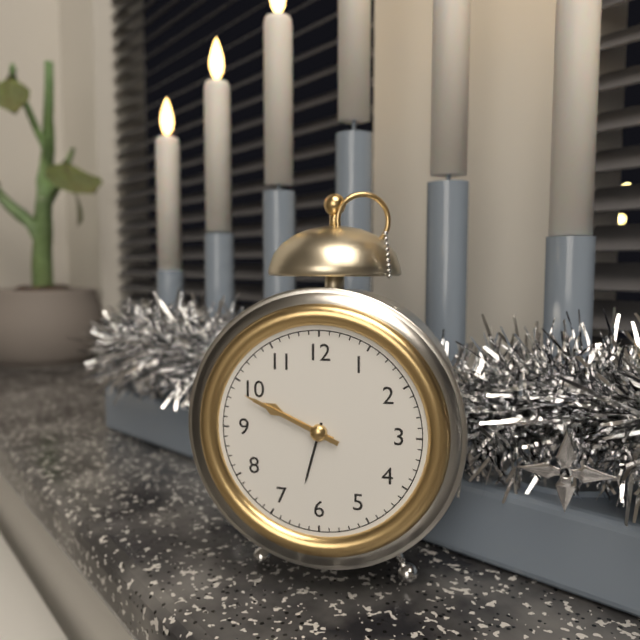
{"hour": 9, "minute": 49}
